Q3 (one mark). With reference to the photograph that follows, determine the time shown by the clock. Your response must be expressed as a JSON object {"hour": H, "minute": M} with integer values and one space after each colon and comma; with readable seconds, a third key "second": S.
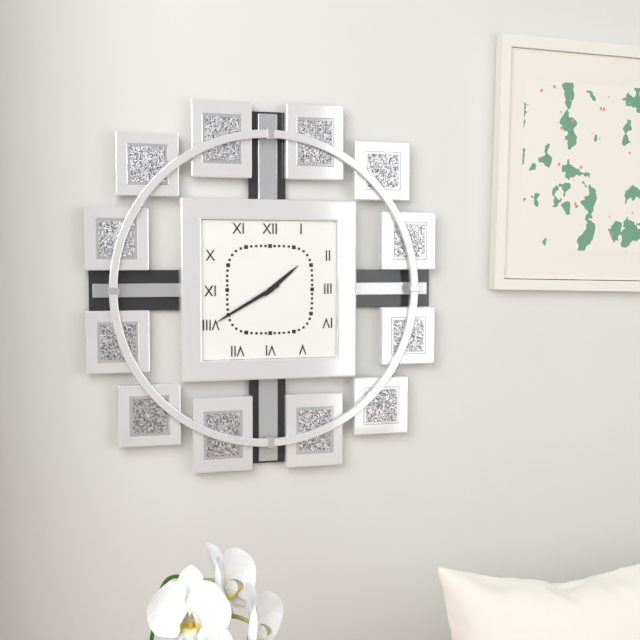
{"hour": 1, "minute": 40}
